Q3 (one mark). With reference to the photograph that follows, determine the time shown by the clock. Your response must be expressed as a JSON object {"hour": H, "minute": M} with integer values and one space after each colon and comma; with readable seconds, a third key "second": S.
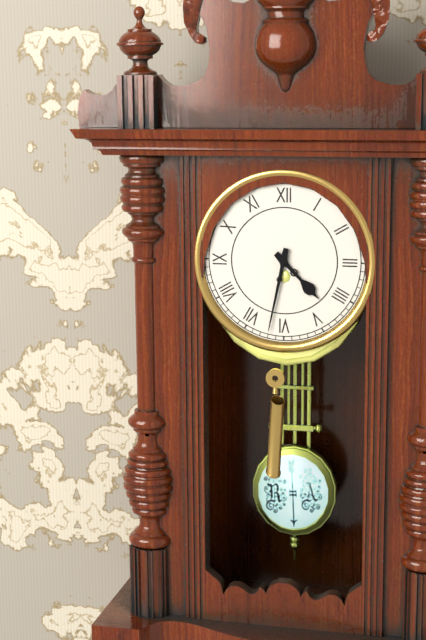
{"hour": 4, "minute": 32}
